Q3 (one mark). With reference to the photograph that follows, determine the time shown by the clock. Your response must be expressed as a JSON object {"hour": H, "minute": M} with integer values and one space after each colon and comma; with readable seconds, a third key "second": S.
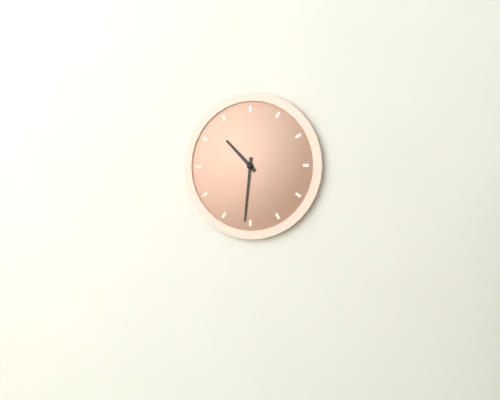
{"hour": 10, "minute": 31}
